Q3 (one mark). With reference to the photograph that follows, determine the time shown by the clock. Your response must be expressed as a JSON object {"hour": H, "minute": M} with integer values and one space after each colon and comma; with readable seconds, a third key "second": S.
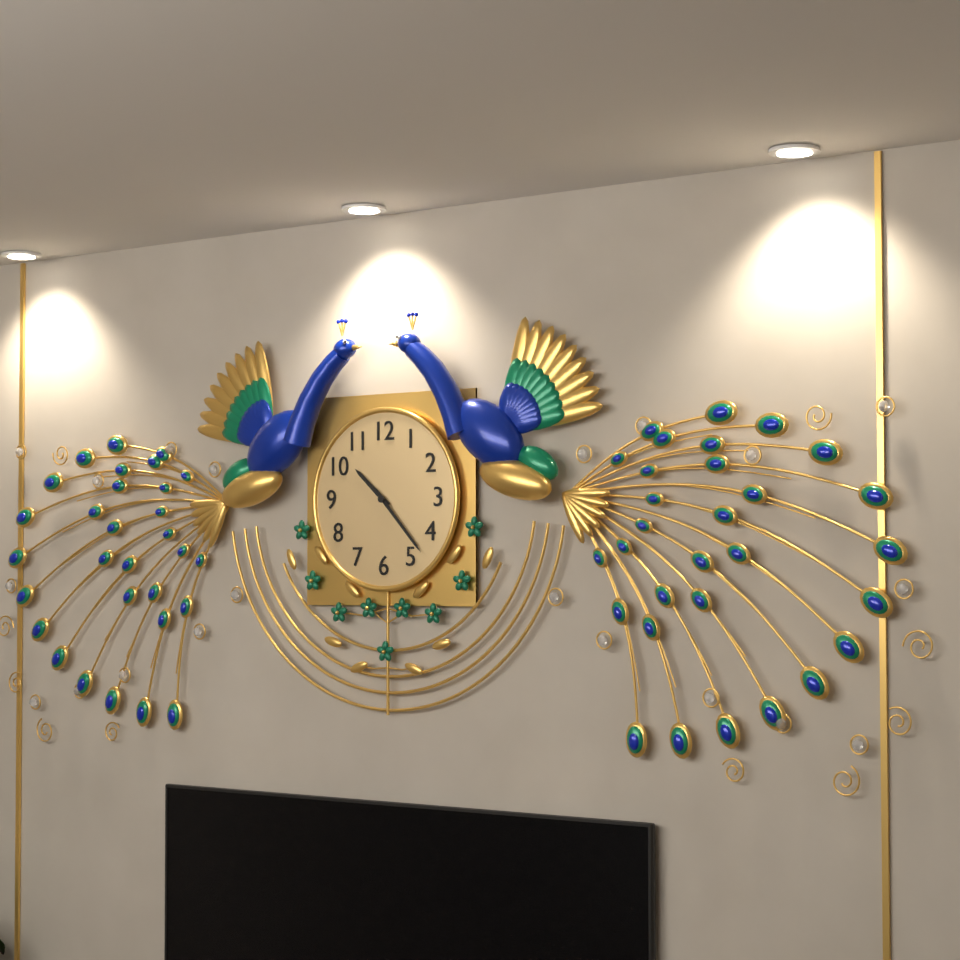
{"hour": 10, "minute": 23}
